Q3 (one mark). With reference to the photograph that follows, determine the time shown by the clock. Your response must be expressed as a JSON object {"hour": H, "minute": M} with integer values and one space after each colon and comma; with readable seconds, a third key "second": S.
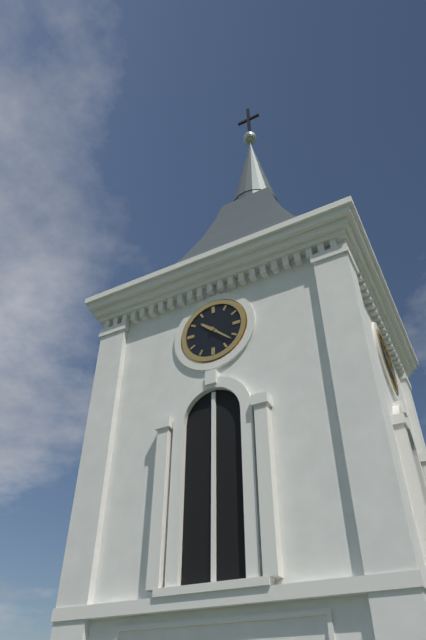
{"hour": 10, "minute": 22}
